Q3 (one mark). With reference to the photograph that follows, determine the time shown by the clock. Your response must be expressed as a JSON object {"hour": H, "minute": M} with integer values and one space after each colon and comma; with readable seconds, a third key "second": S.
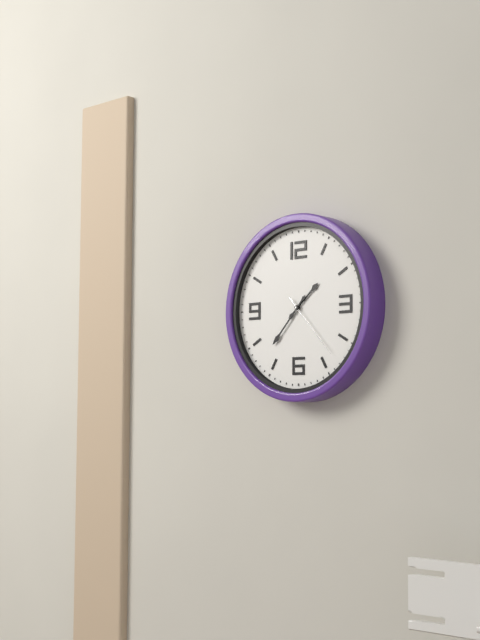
{"hour": 1, "minute": 37, "second": 23}
